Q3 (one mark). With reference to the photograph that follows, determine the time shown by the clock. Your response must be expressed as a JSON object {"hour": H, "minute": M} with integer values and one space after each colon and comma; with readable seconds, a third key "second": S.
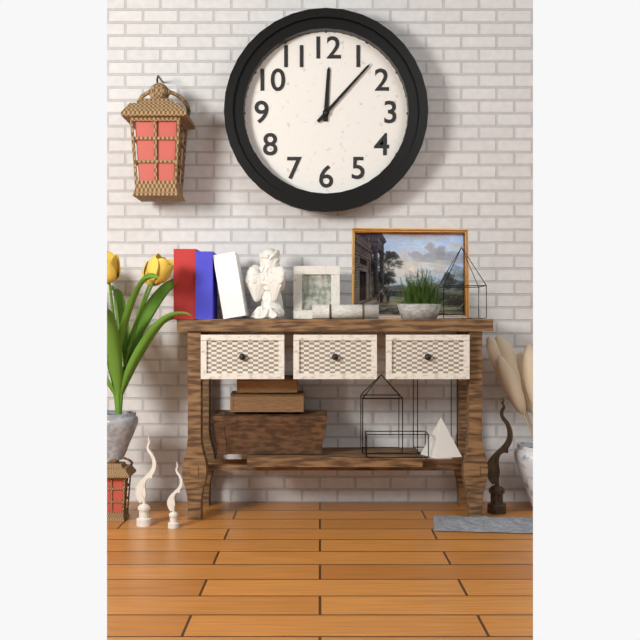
{"hour": 12, "minute": 7}
